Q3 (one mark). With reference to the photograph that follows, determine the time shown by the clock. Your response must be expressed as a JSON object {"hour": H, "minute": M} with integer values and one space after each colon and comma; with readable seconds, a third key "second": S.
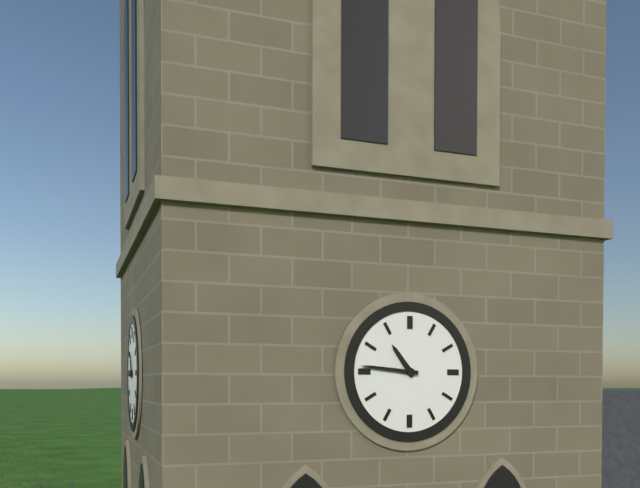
{"hour": 10, "minute": 46}
